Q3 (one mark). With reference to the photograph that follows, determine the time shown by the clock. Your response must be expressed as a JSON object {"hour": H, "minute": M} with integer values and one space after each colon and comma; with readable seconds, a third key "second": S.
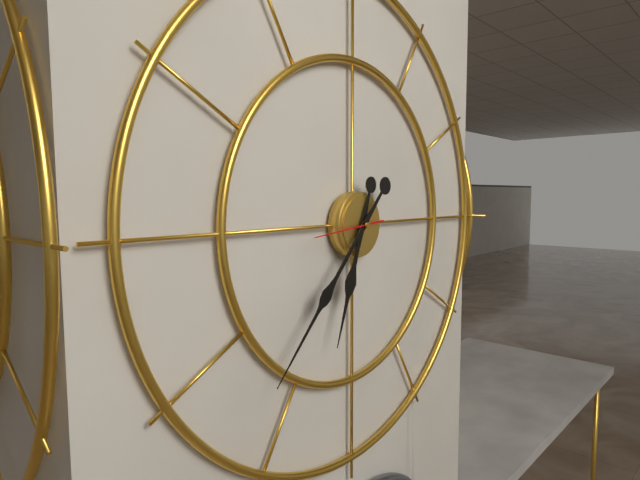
{"hour": 6, "minute": 37, "second": 44}
